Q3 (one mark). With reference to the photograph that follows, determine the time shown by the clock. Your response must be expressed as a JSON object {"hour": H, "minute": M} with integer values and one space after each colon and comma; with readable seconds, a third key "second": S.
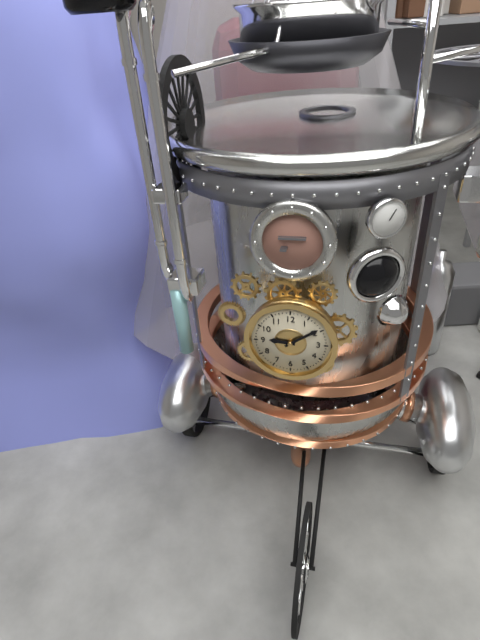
{"hour": 9, "minute": 9}
